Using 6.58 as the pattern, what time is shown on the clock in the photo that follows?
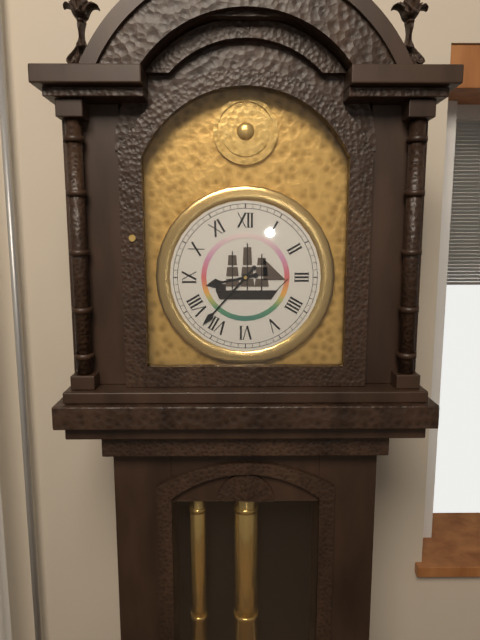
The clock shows 8.37
